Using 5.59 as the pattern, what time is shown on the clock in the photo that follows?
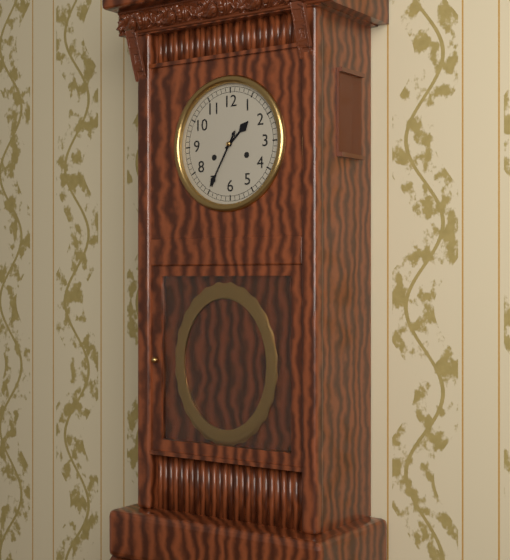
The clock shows 1.35
